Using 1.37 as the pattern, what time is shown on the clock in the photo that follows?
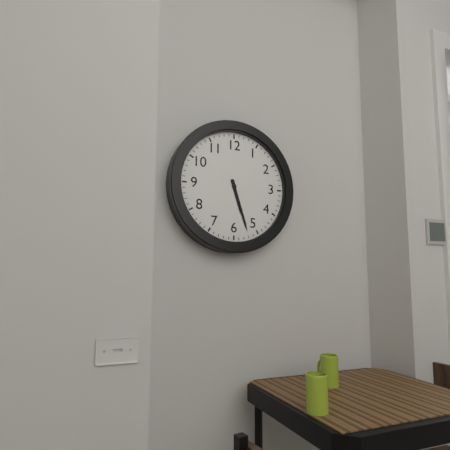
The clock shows 5.27
